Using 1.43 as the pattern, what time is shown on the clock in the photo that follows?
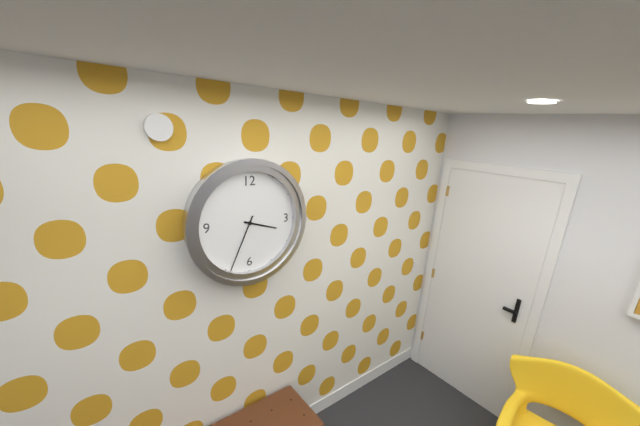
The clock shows 3.34
